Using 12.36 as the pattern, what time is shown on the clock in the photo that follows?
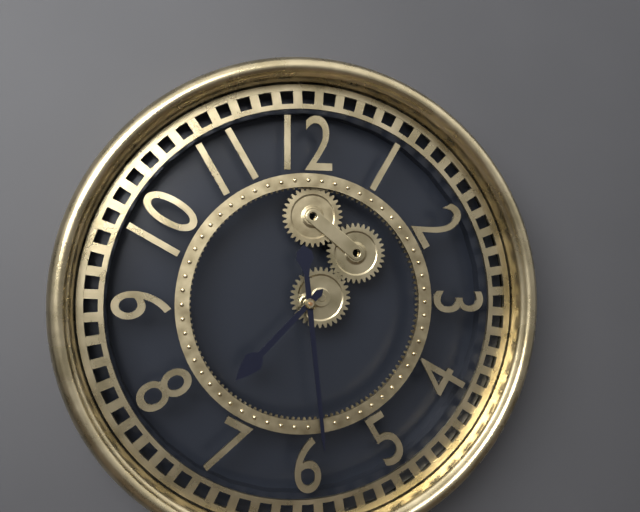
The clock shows 7.29
